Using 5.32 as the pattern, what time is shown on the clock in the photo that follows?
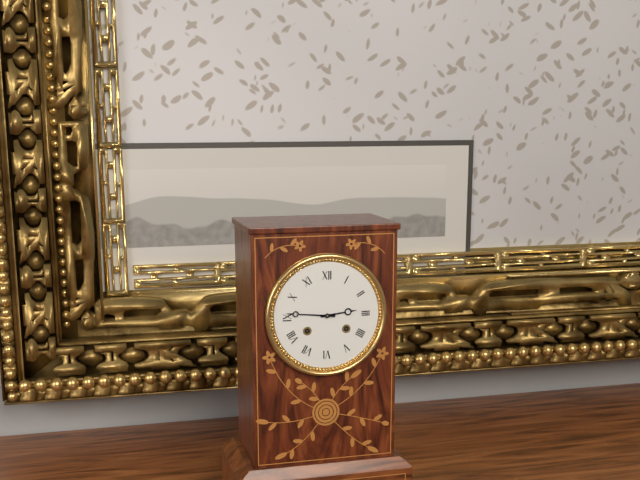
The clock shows 2.46
